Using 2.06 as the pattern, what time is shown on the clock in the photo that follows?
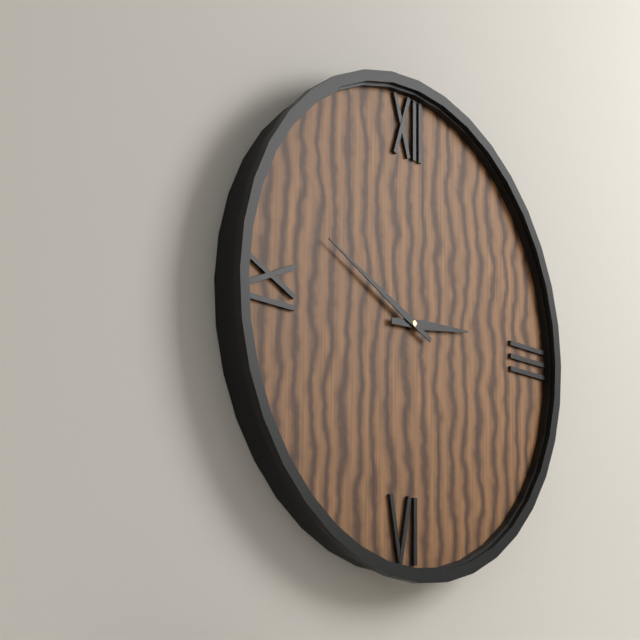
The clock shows 2.49
